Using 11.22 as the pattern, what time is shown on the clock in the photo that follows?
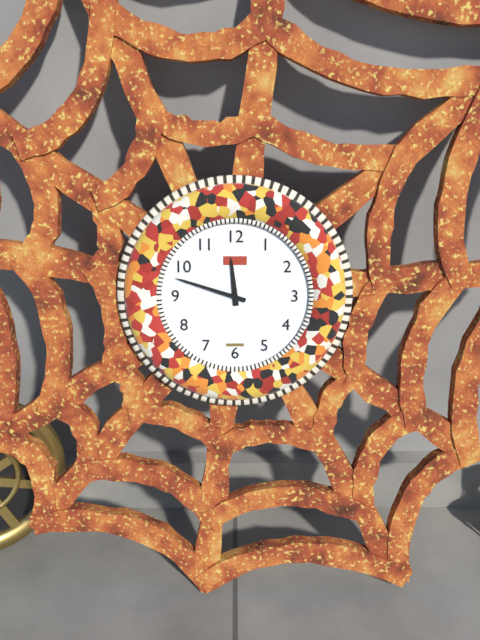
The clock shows 11.48
